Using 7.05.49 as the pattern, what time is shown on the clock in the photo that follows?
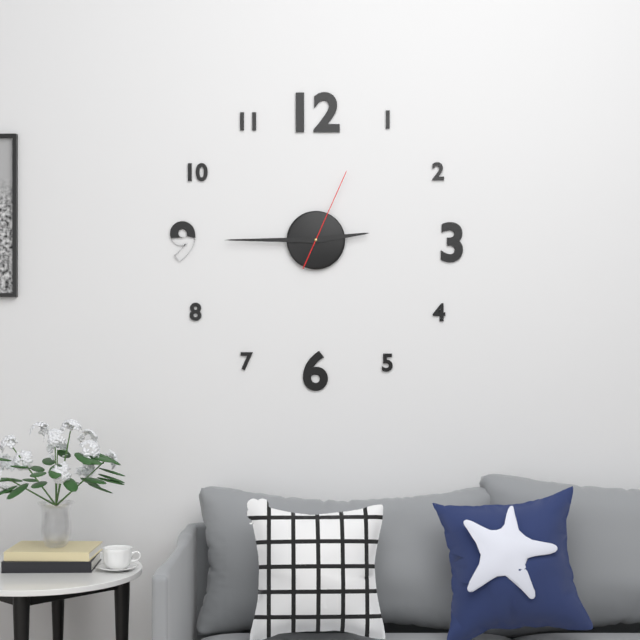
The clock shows 2.45.04
